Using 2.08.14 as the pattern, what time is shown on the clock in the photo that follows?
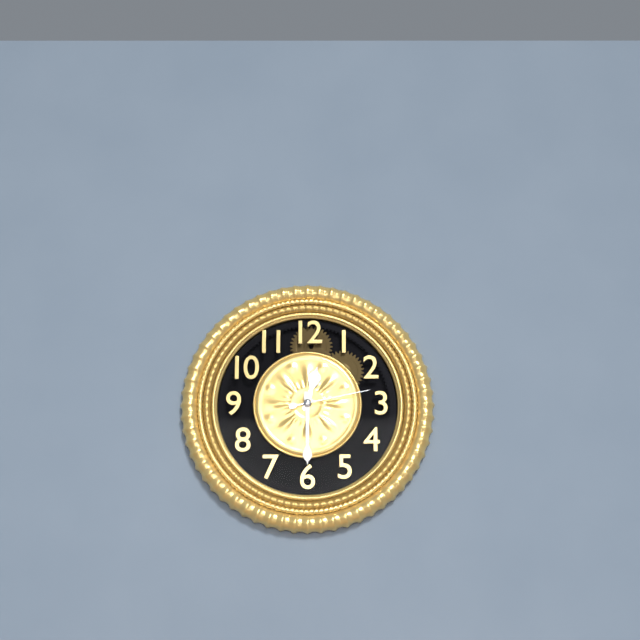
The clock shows 12.30.13
